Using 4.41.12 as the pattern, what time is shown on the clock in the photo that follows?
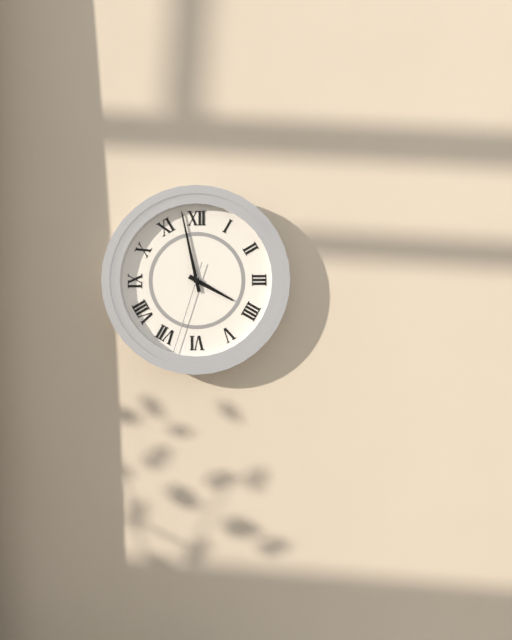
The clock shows 3.58.33
